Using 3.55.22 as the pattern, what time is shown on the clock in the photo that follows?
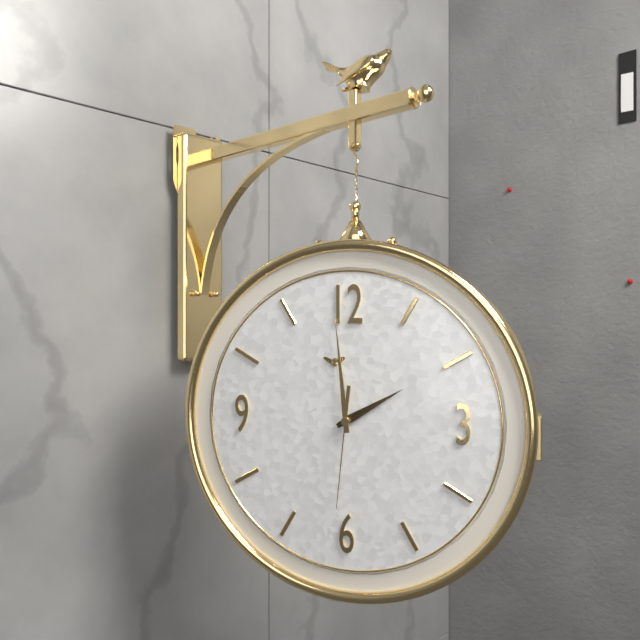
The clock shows 1.59.31
